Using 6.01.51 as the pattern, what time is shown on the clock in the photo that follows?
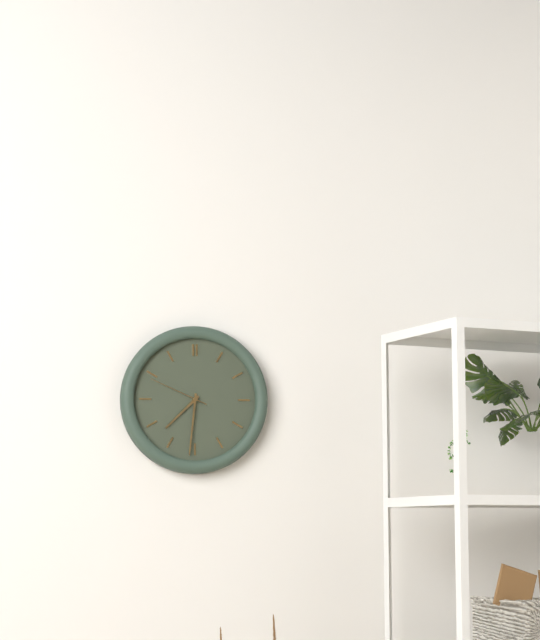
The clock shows 7.31.49
